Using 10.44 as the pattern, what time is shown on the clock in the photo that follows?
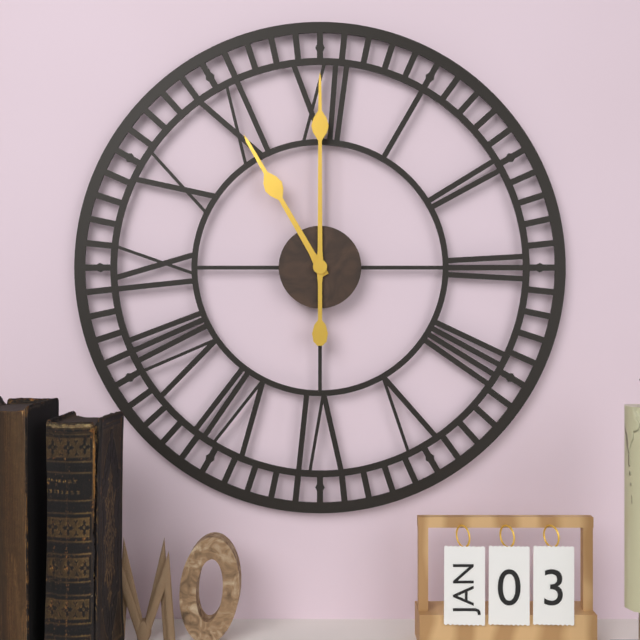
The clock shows 11.00
